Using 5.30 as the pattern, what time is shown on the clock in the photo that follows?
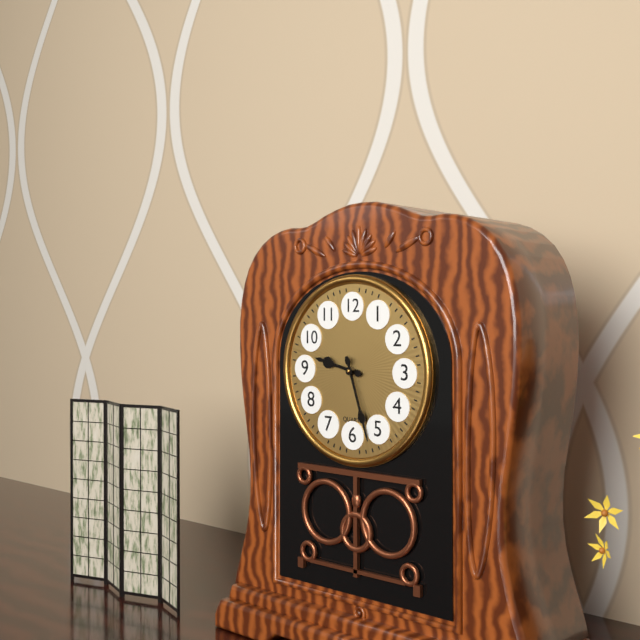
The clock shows 9.27
